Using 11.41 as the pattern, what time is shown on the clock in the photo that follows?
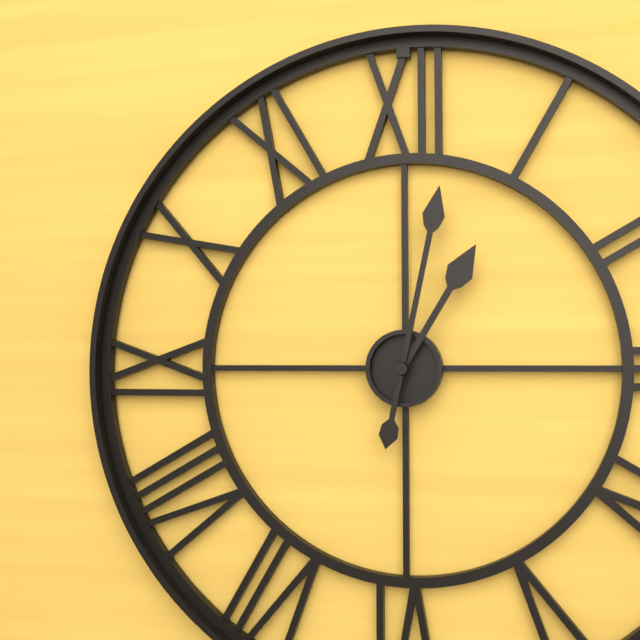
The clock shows 1.02
